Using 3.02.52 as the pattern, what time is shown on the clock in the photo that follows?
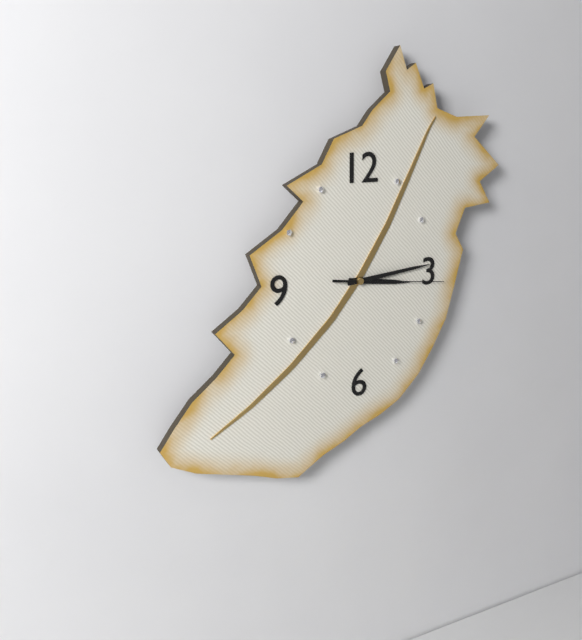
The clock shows 3.14.16
